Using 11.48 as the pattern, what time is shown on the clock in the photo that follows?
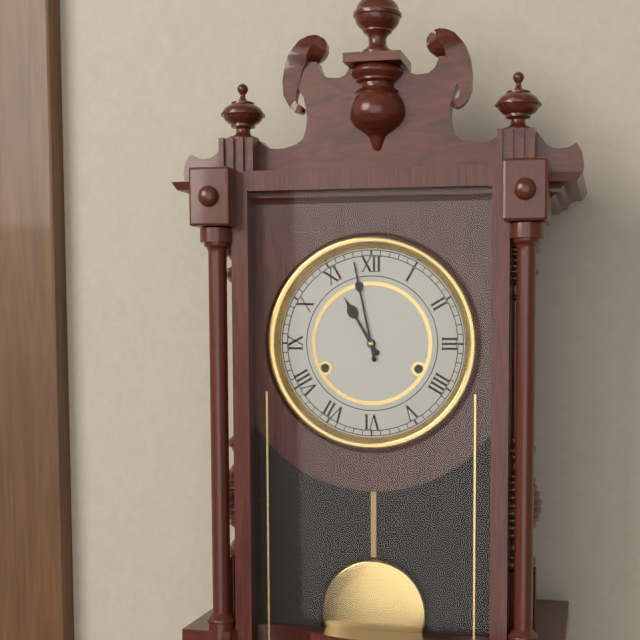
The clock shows 10.58
